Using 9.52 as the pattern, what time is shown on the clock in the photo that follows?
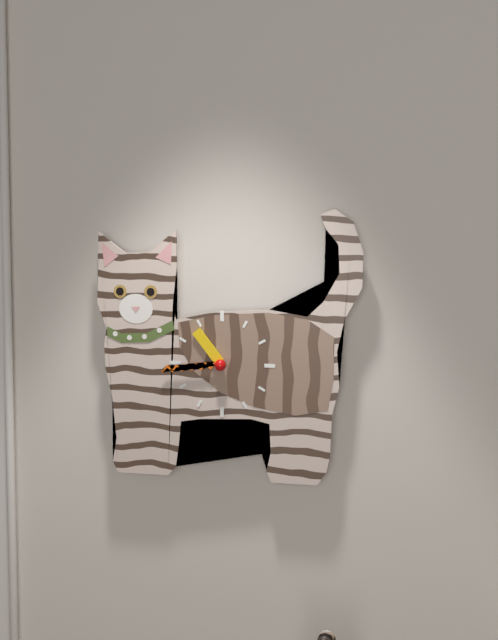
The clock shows 10.44
